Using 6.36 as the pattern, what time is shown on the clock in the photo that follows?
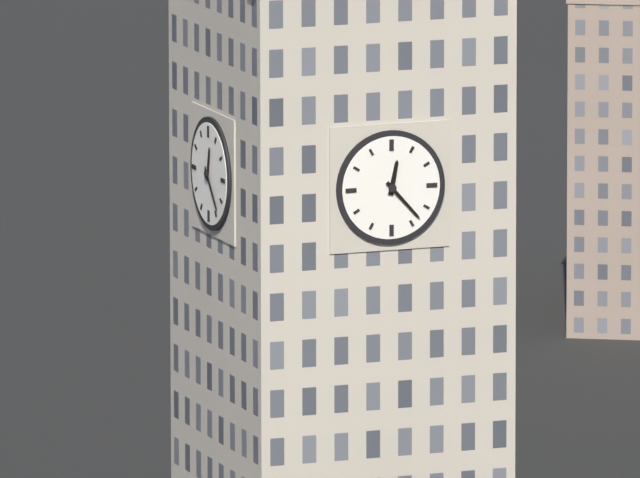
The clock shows 12.23
